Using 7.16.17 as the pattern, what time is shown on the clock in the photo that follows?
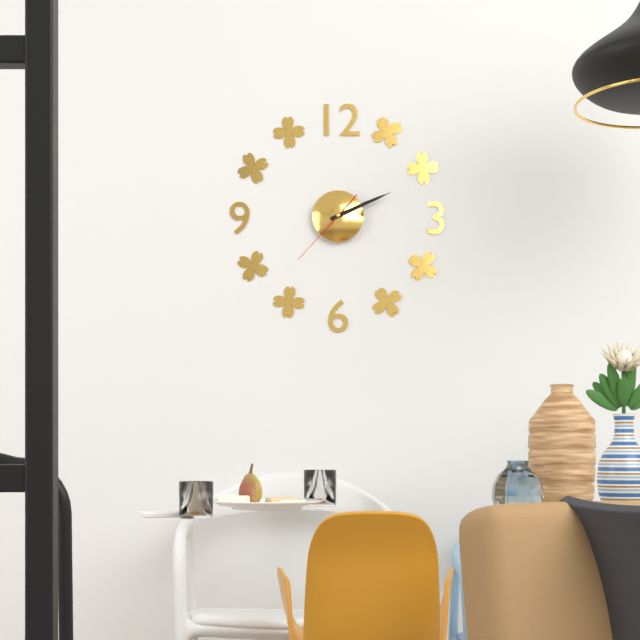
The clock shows 2.11.37
